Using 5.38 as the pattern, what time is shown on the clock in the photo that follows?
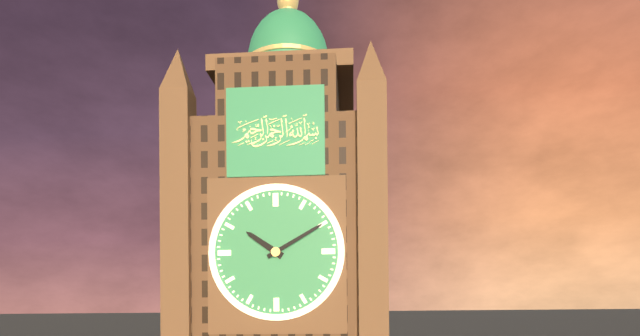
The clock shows 10.10
